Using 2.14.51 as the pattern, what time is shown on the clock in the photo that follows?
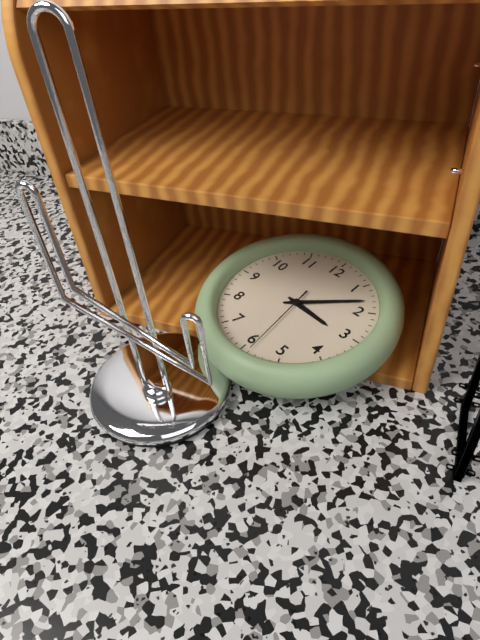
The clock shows 3.08.29
